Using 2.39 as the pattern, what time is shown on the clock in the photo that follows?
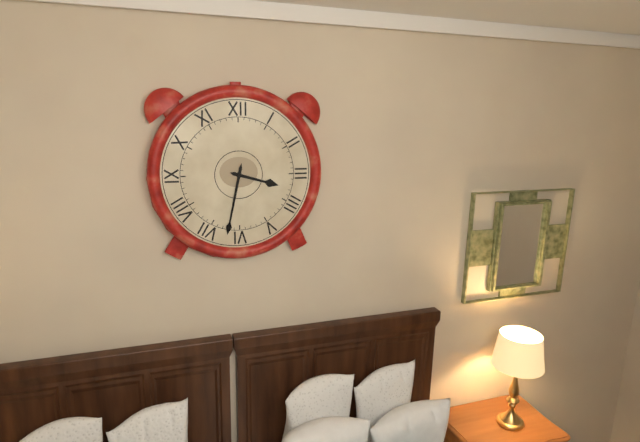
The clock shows 3.32
